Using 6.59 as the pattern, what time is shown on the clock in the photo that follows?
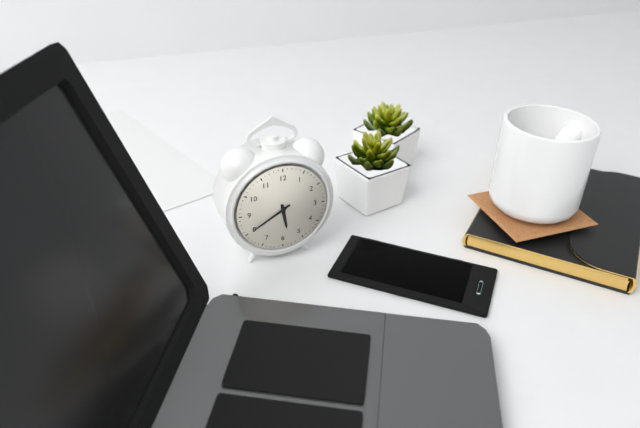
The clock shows 5.40
